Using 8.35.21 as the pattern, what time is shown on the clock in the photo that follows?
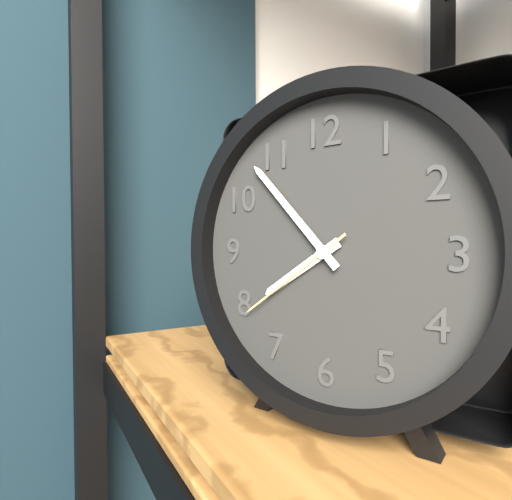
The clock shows 7.53.39
